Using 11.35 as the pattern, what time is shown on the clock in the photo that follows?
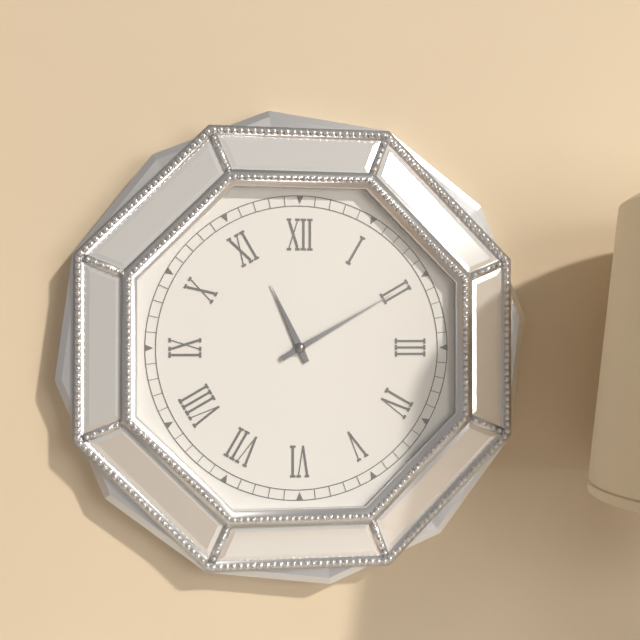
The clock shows 11.10
